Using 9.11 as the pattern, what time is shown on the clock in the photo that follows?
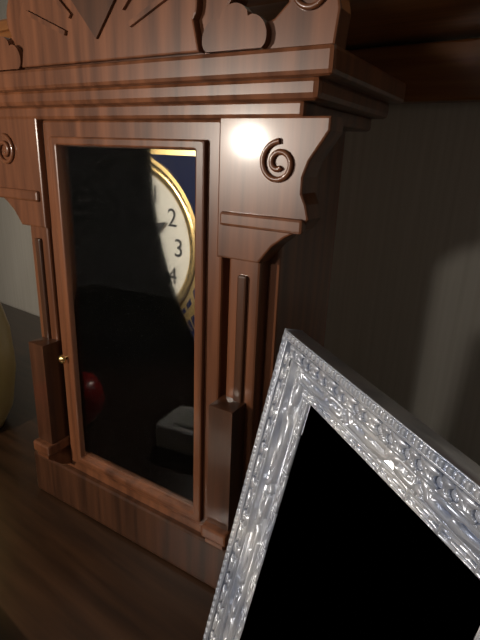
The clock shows 2.00
